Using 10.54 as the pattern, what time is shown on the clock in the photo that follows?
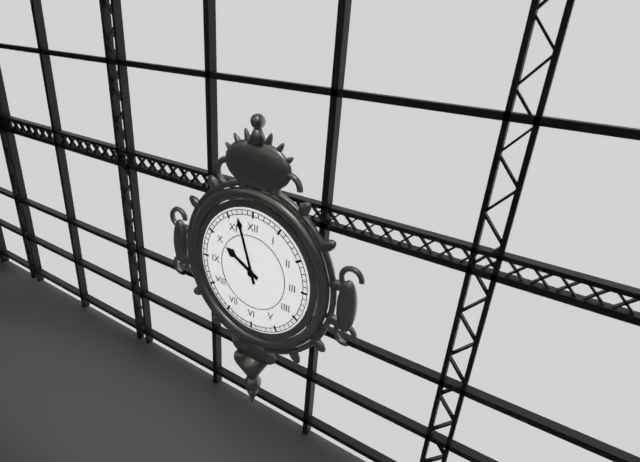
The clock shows 9.57
